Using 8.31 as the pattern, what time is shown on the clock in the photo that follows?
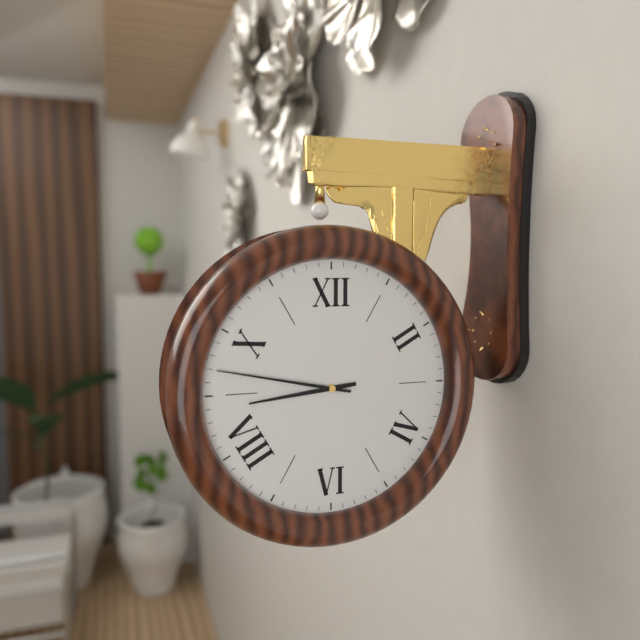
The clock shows 8.47
